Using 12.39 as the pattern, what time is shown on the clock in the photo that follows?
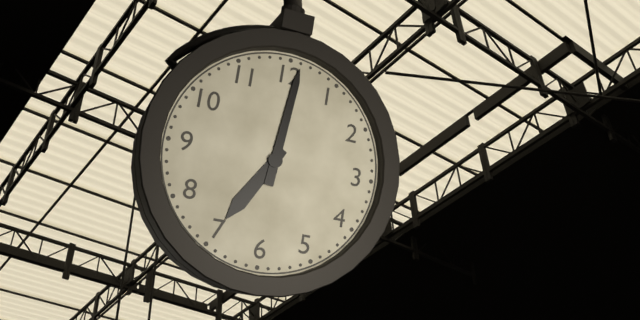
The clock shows 7.01
